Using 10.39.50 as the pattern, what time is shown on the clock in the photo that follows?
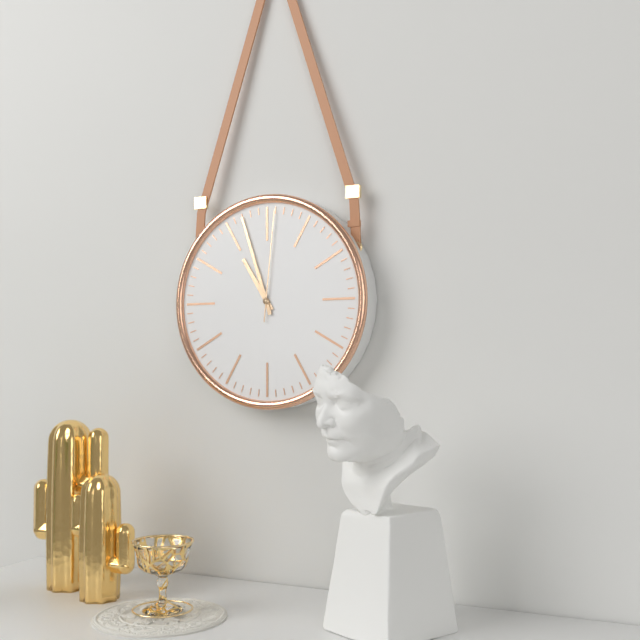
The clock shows 10.57.01
